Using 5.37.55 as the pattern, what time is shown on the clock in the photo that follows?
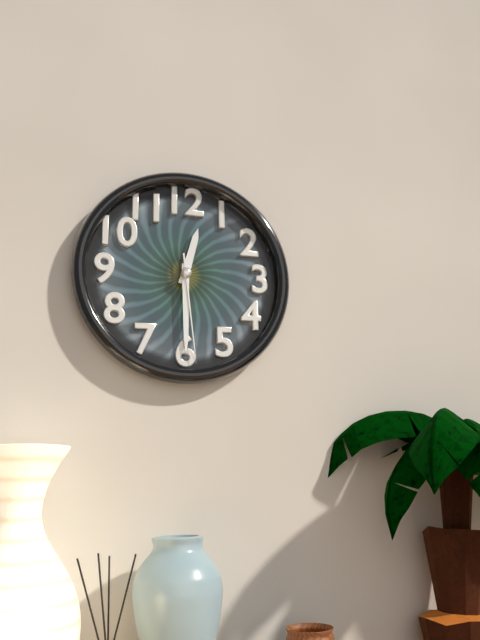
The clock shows 12.30.29
